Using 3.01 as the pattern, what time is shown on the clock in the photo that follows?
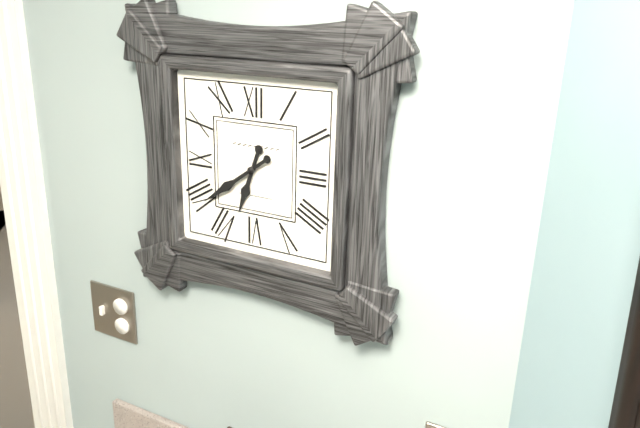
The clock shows 6.39
